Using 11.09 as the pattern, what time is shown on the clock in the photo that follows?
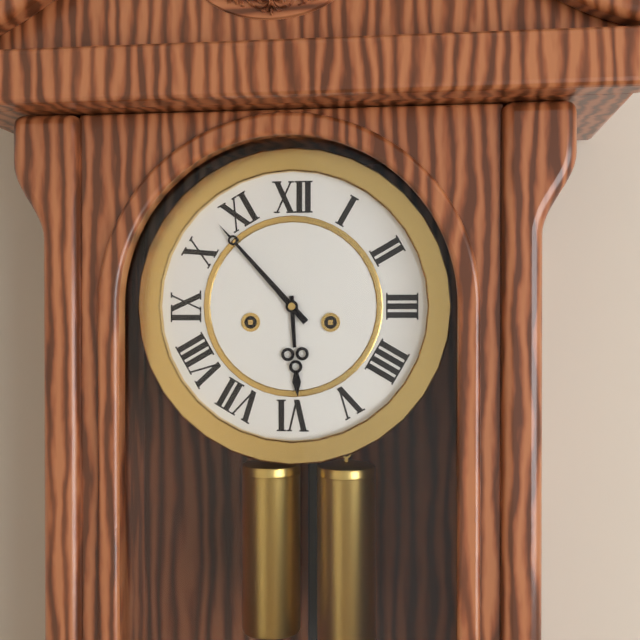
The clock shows 5.53
